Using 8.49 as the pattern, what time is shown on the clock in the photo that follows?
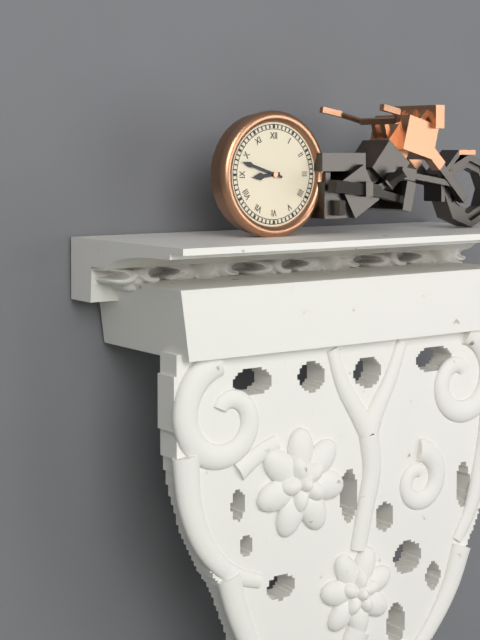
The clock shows 8.48
